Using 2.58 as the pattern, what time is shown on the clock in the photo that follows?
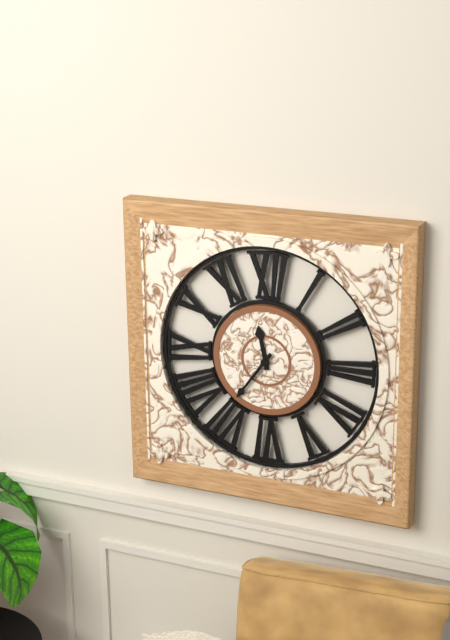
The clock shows 11.36
